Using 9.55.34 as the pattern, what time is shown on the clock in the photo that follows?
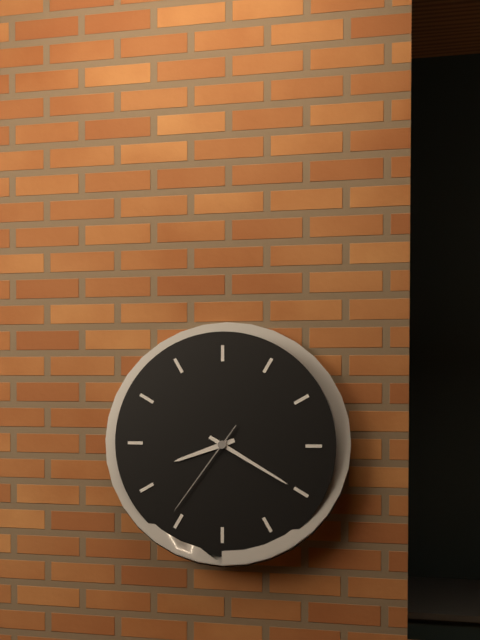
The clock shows 8.20.36
